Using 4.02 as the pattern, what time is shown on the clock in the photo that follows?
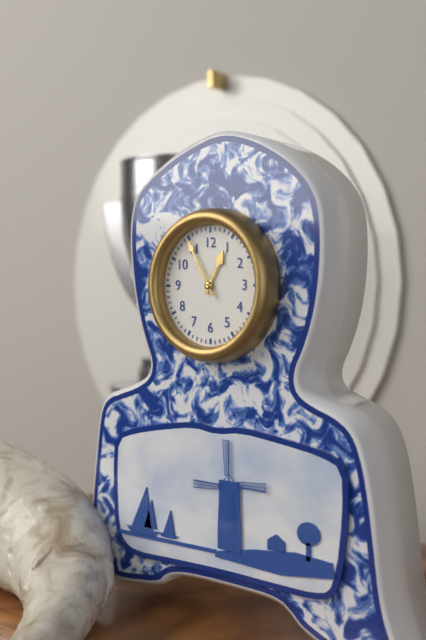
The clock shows 12.55
